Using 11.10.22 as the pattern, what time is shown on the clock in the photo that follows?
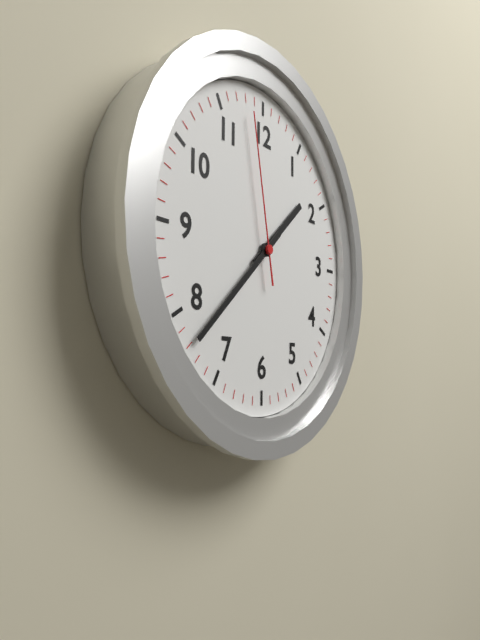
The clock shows 1.38.58
